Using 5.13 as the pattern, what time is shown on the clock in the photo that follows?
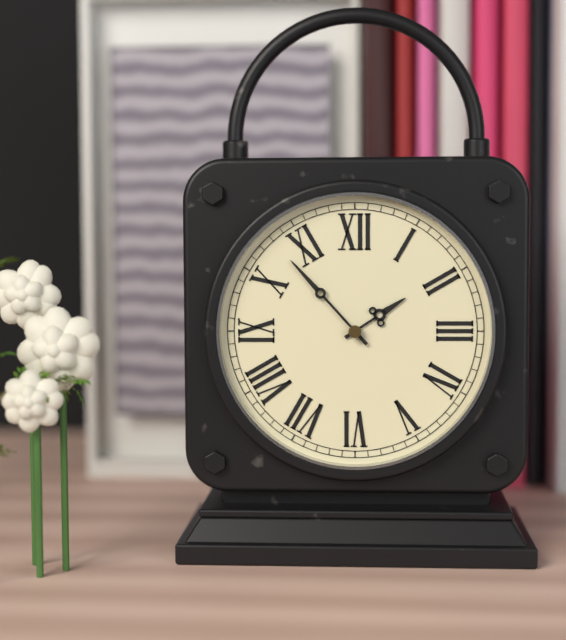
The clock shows 1.53
